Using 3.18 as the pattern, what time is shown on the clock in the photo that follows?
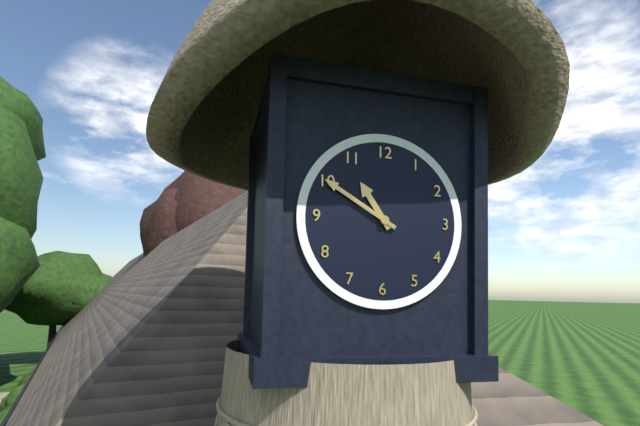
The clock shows 10.50
